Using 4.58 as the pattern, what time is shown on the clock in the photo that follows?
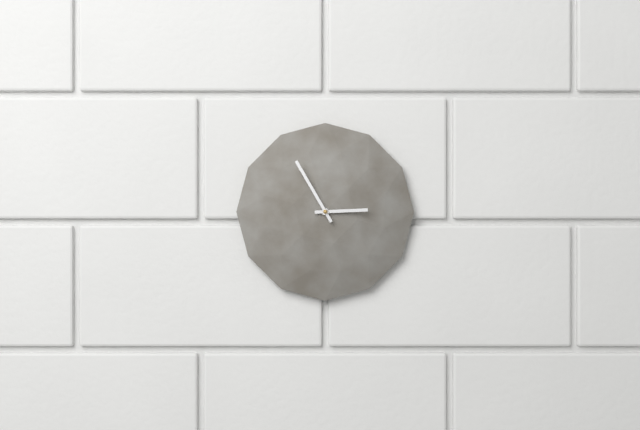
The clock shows 2.55
